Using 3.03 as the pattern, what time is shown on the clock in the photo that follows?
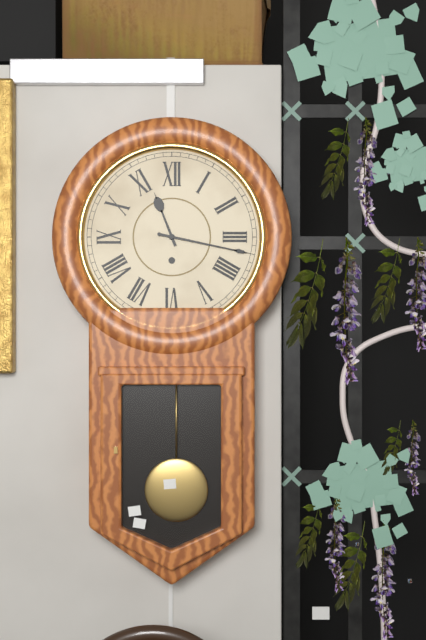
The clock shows 11.17
